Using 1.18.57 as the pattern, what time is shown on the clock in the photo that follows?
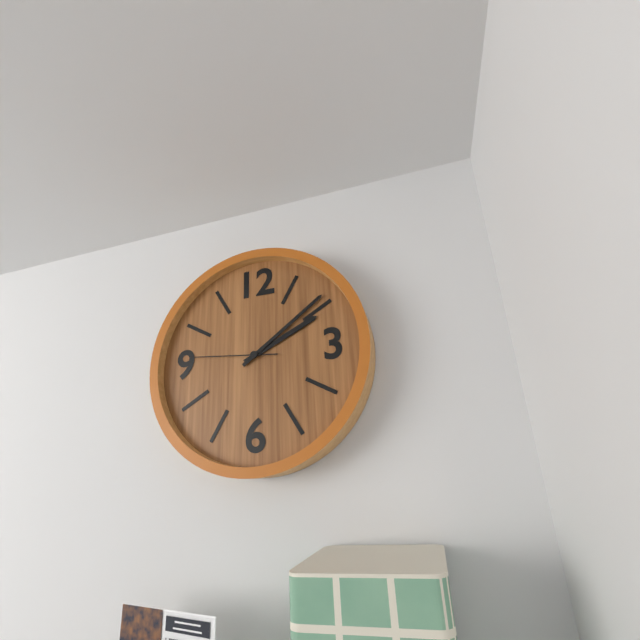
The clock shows 2.09.46
